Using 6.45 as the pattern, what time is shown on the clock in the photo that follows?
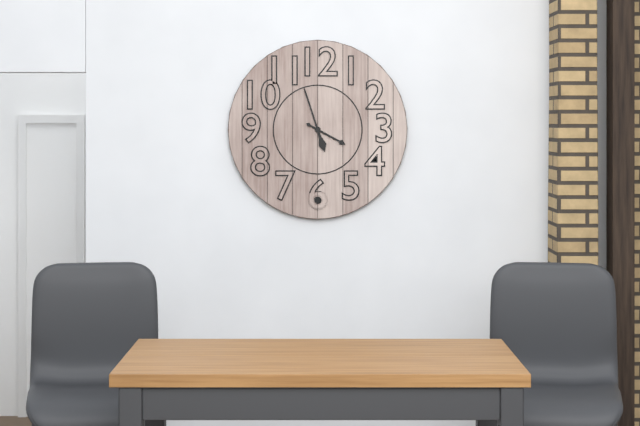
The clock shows 3.57
